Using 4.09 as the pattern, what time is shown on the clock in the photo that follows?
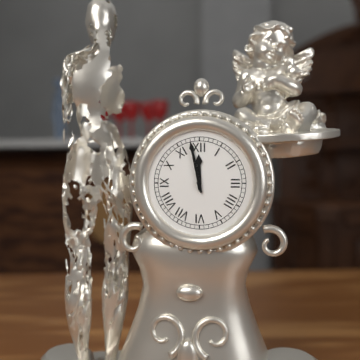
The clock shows 11.58
